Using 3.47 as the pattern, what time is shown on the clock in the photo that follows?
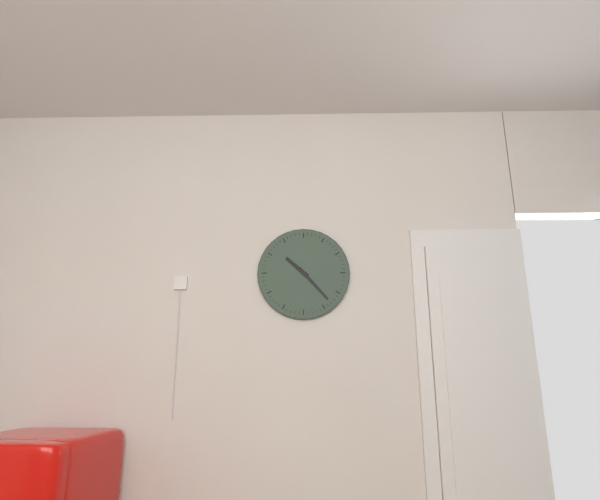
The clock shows 10.23
